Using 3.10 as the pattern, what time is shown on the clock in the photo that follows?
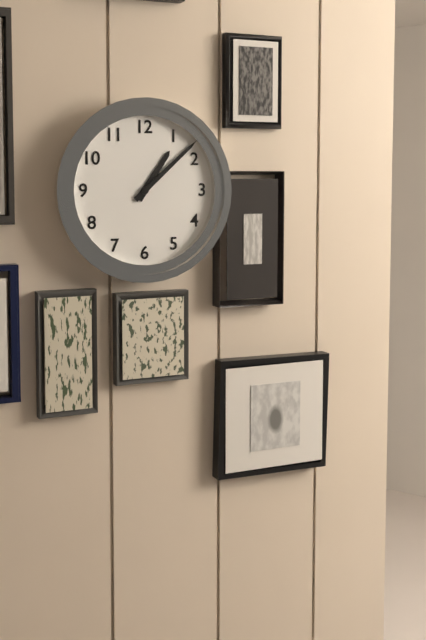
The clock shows 1.08
